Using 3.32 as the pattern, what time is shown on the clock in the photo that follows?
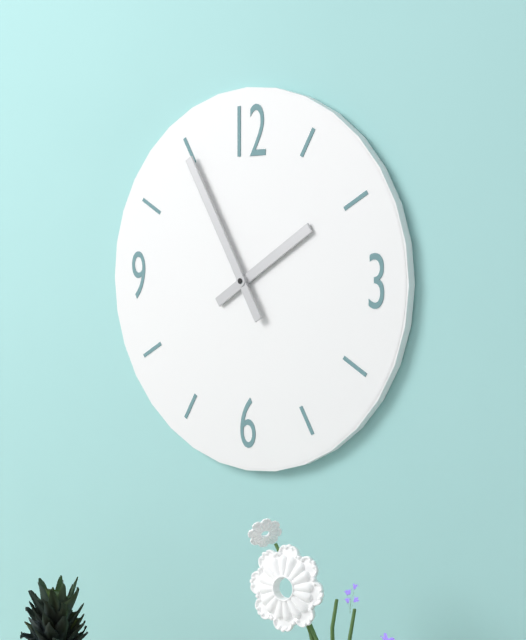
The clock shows 1.55
